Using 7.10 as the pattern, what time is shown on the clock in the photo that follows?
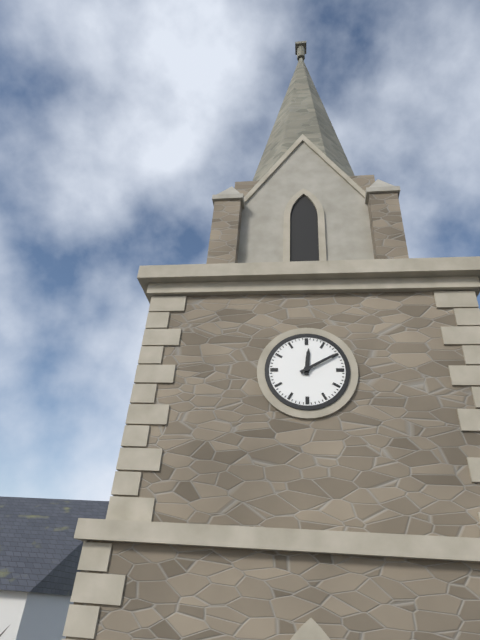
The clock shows 12.10
